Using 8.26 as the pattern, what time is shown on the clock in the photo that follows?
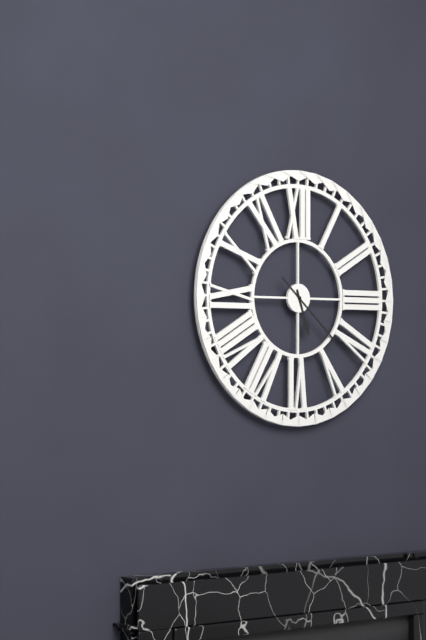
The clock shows 5.22
